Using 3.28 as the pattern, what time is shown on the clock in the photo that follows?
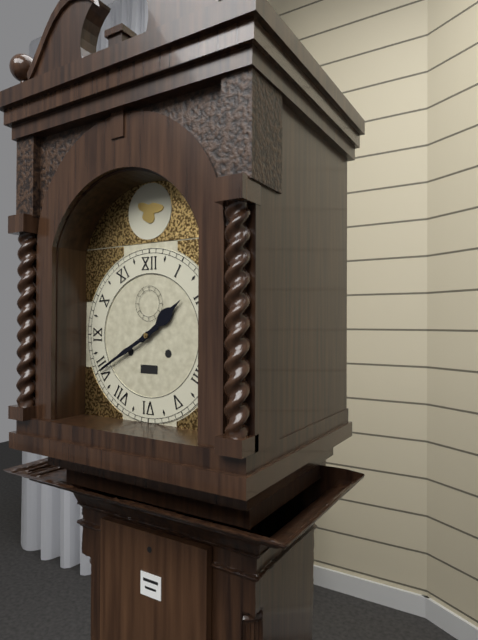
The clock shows 1.40
